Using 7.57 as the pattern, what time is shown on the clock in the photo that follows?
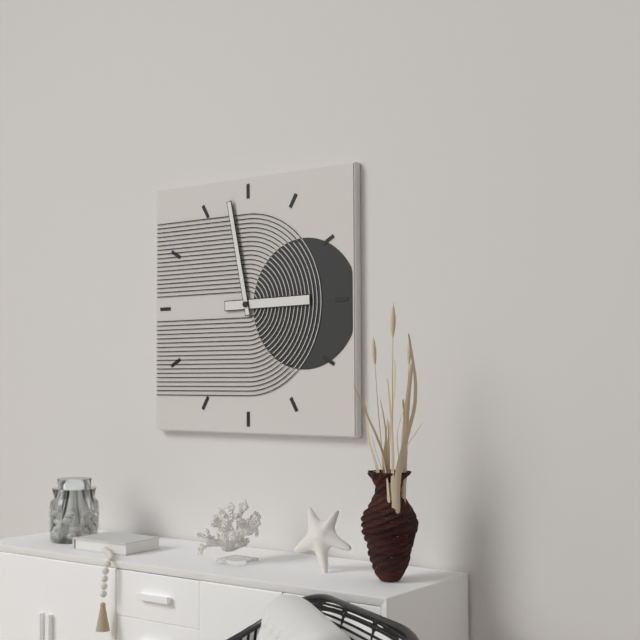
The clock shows 2.58
